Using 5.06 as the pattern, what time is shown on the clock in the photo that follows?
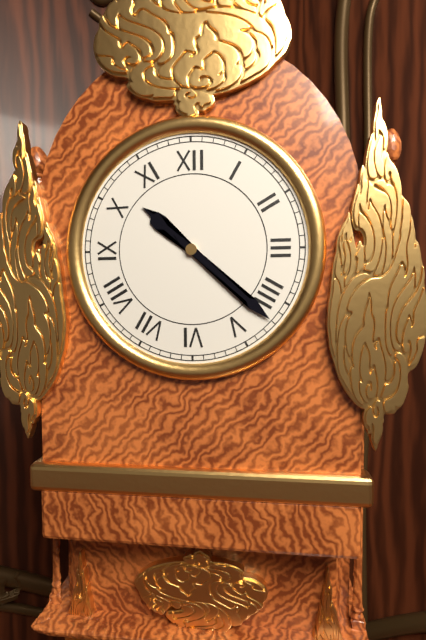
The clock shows 10.22
